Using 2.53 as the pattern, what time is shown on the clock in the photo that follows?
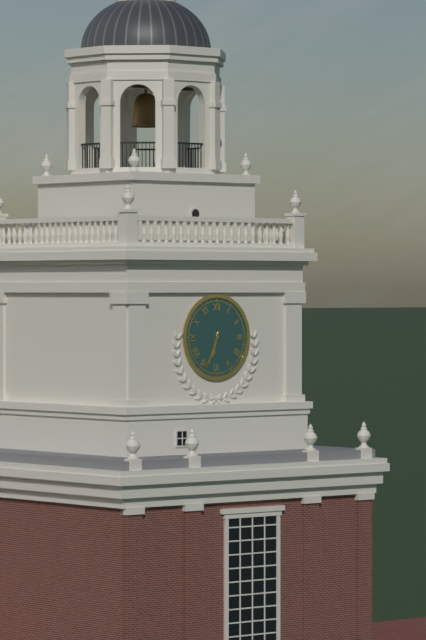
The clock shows 6.34
